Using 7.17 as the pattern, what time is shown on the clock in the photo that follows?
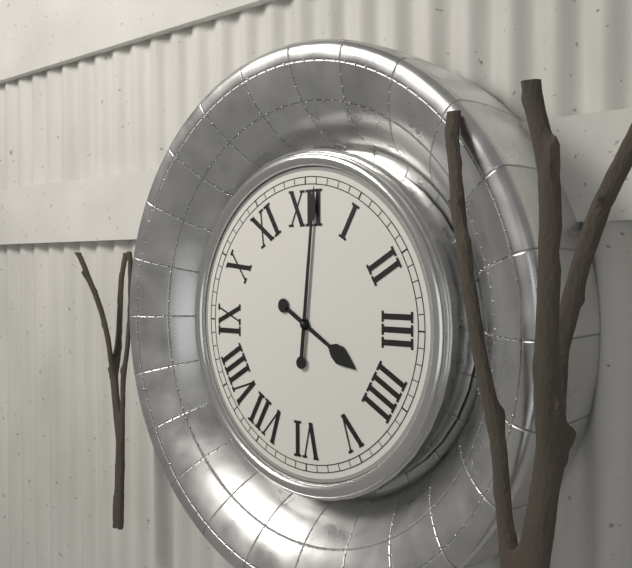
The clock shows 4.01
